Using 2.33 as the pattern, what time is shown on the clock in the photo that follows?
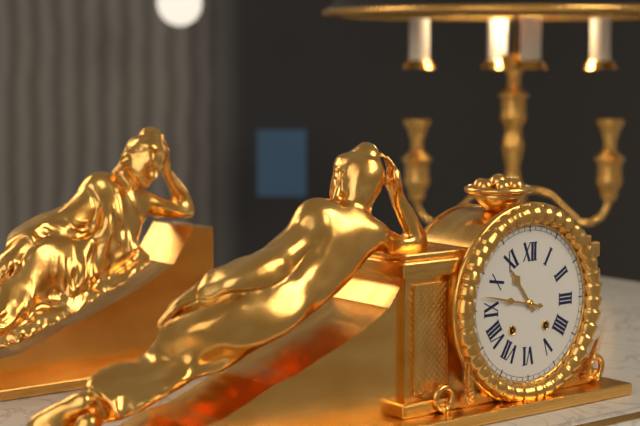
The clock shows 10.47
